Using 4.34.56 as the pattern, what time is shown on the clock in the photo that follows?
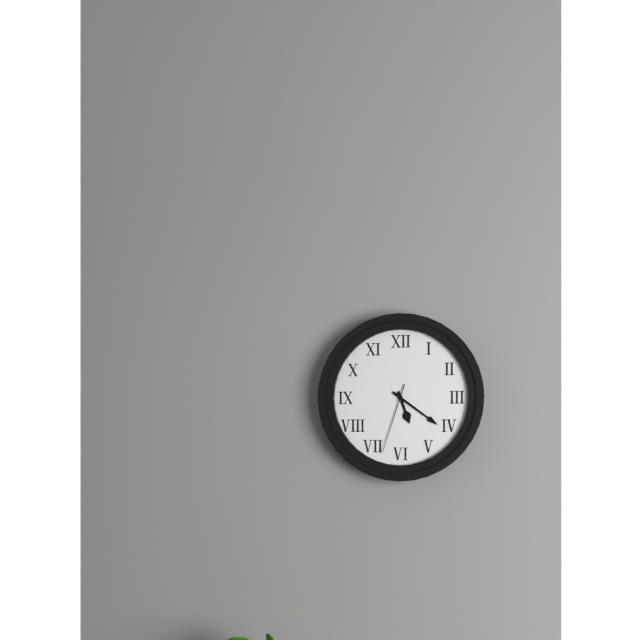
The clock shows 5.21.33
